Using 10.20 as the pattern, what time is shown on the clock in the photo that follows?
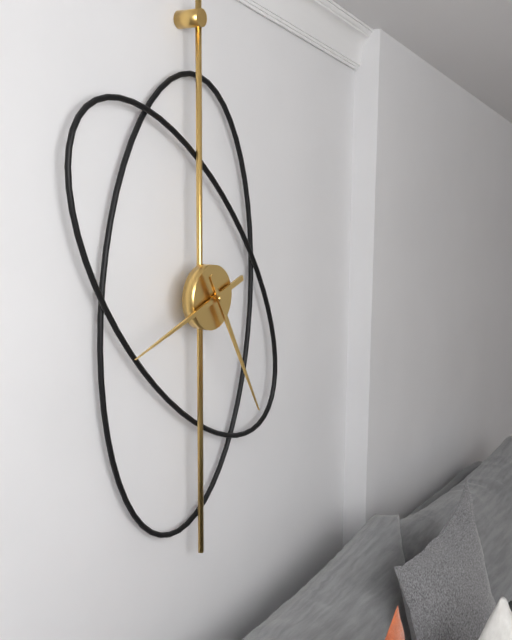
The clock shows 8.25
